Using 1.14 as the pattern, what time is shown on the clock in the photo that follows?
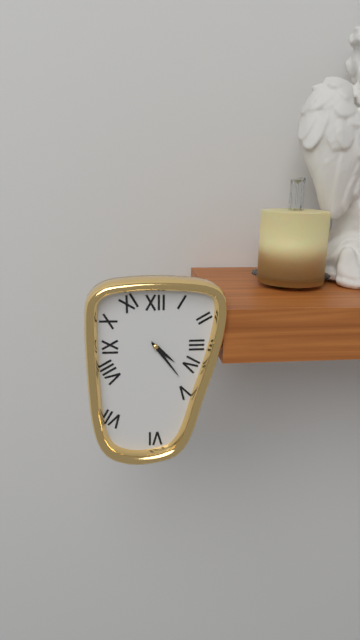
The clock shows 4.24
